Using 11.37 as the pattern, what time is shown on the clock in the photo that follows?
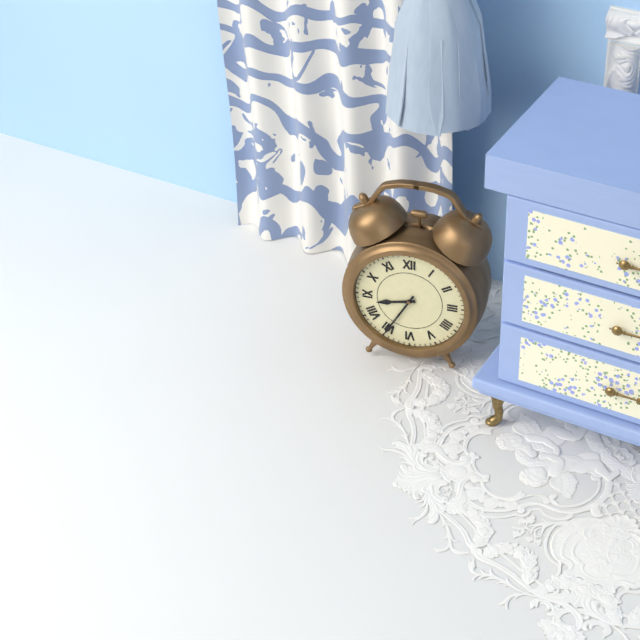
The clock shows 8.35
